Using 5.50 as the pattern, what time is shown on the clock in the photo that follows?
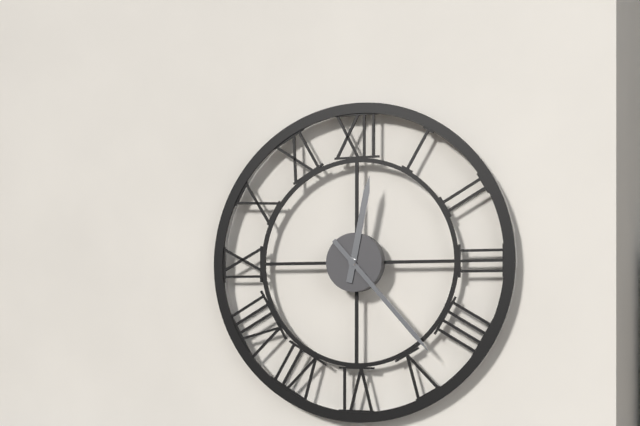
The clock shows 12.23
